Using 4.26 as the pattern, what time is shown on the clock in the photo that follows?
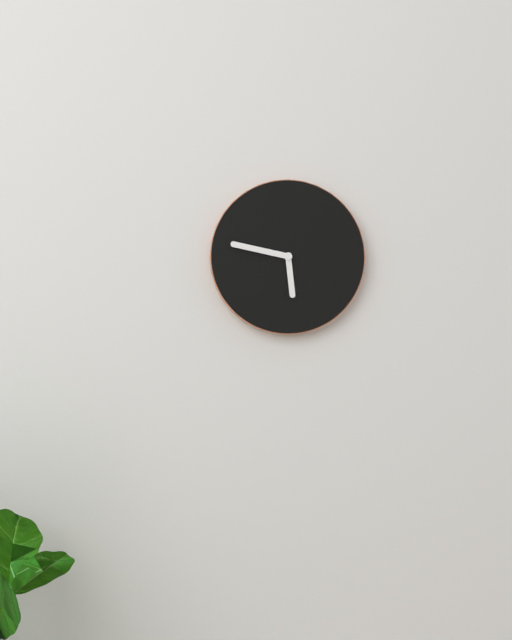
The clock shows 5.47
